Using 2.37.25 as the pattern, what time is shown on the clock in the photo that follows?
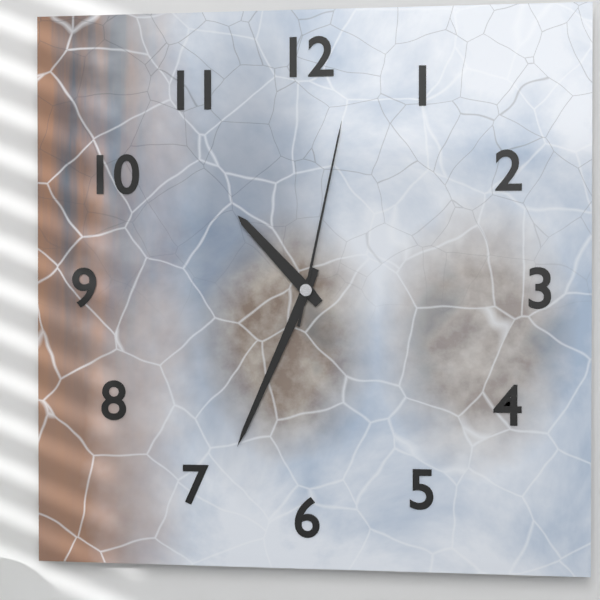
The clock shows 10.34.02
